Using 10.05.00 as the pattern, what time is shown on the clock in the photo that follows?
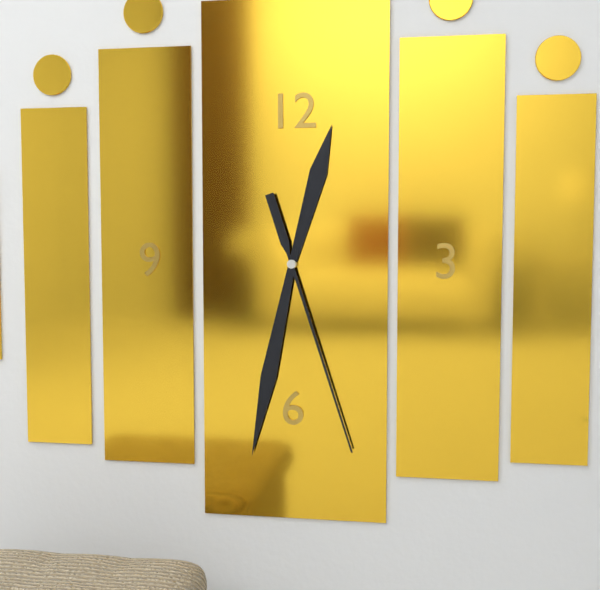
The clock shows 12.32.27
